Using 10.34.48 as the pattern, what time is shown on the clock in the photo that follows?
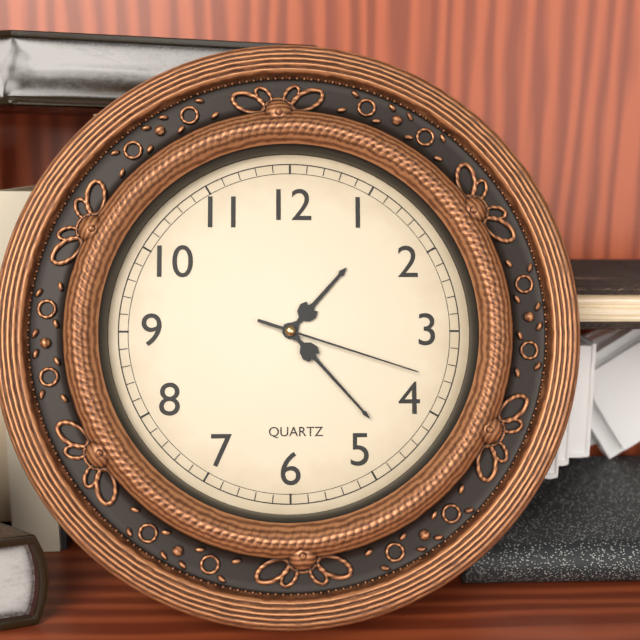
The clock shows 1.23.18
